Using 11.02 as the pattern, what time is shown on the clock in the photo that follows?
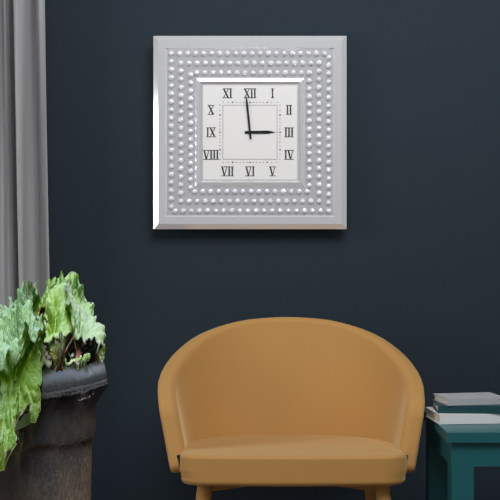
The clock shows 2.59
